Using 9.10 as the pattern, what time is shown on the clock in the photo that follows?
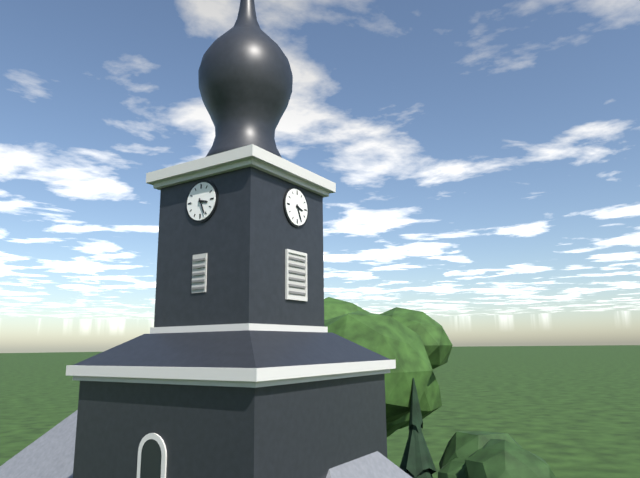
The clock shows 3.26
